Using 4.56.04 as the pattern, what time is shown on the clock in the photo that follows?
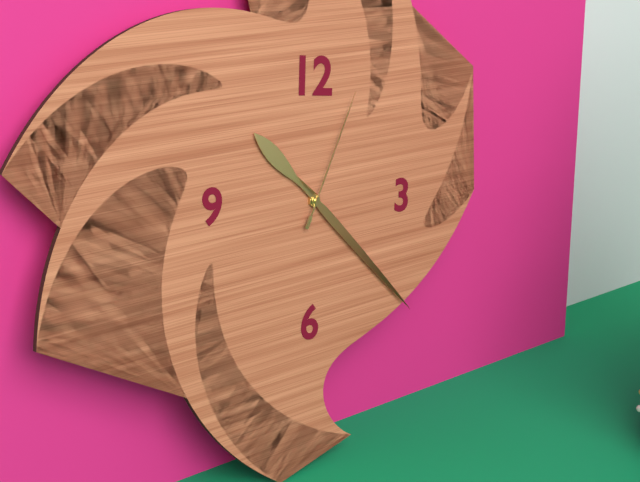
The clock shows 10.22.04
